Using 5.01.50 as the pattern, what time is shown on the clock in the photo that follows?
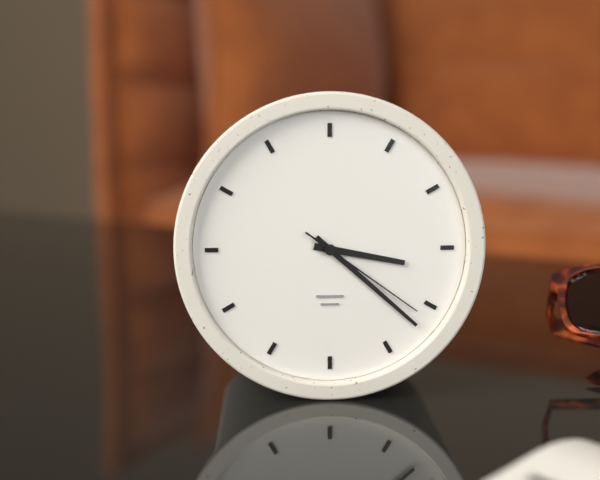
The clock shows 3.22.21
